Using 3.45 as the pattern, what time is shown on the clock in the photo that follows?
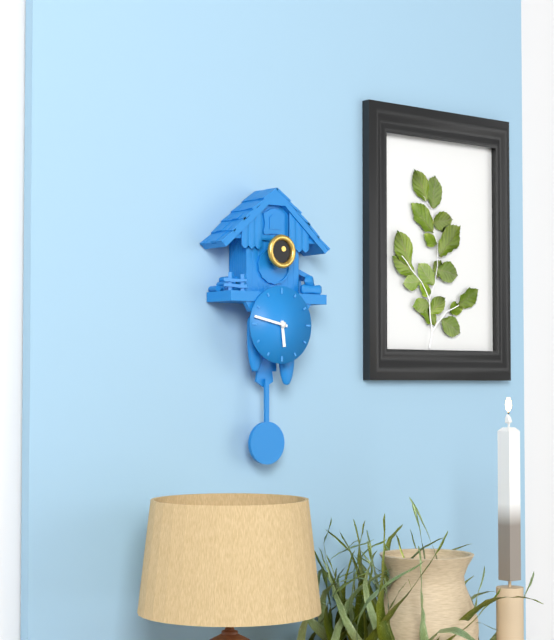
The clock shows 5.47
